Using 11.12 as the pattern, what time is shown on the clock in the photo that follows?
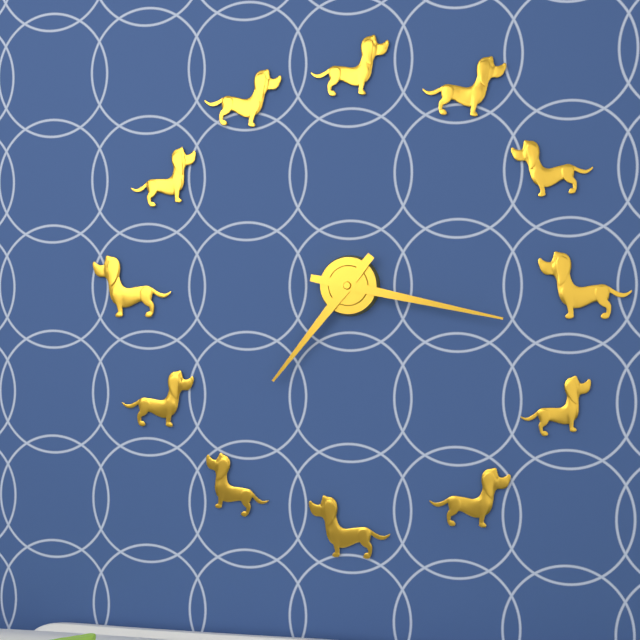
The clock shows 7.17
